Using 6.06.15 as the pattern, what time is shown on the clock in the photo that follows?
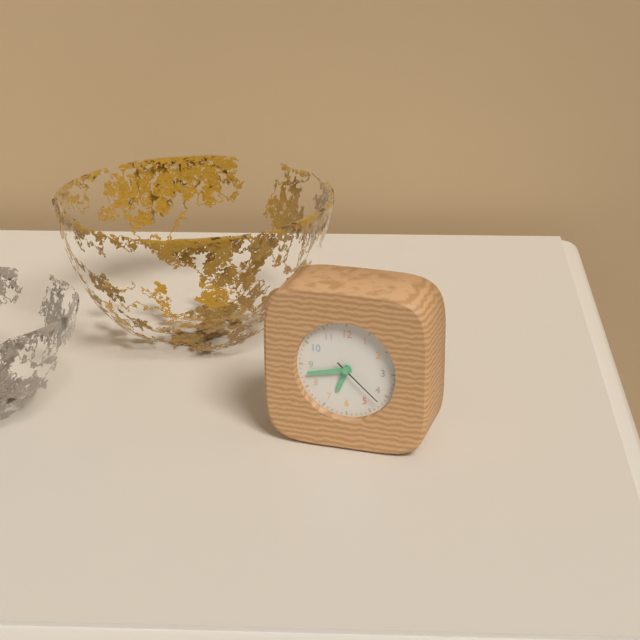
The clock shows 6.43.22
